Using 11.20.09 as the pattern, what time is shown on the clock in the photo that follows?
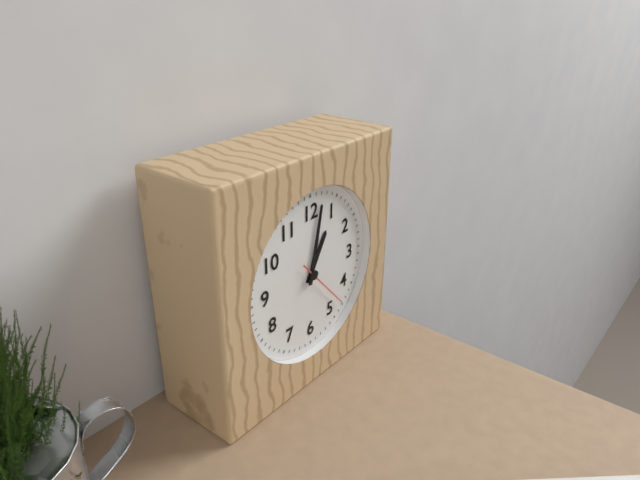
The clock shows 1.02.23
